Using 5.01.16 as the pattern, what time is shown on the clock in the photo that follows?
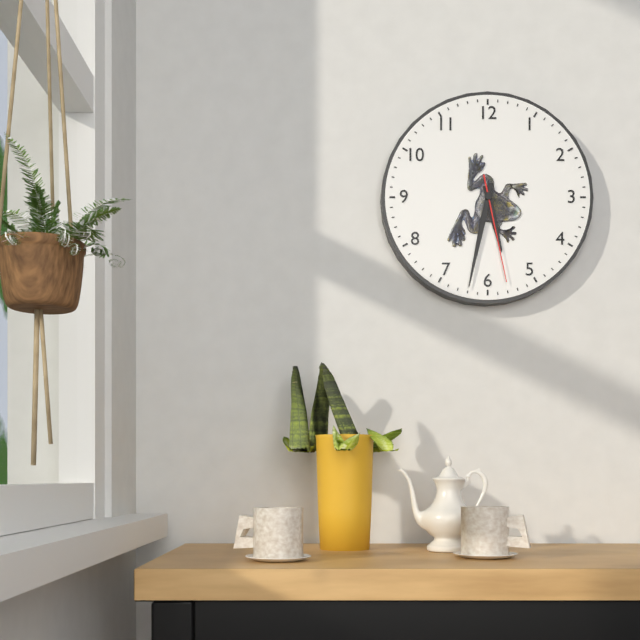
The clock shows 5.32.28
